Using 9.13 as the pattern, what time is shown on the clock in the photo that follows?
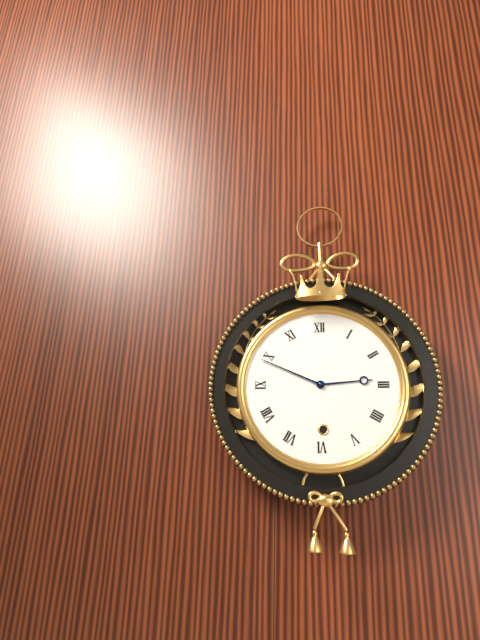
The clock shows 2.49
